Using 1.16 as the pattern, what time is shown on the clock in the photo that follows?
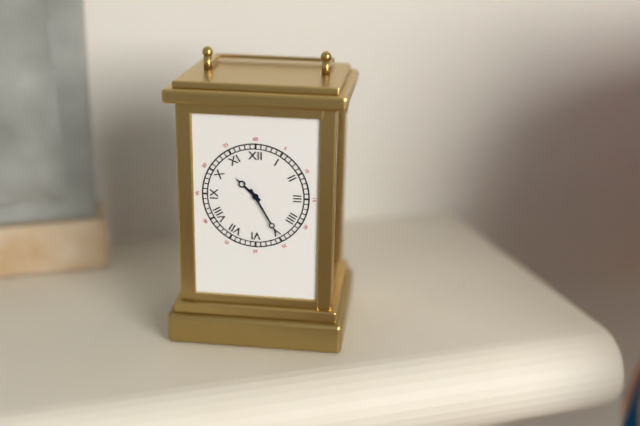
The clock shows 10.25
